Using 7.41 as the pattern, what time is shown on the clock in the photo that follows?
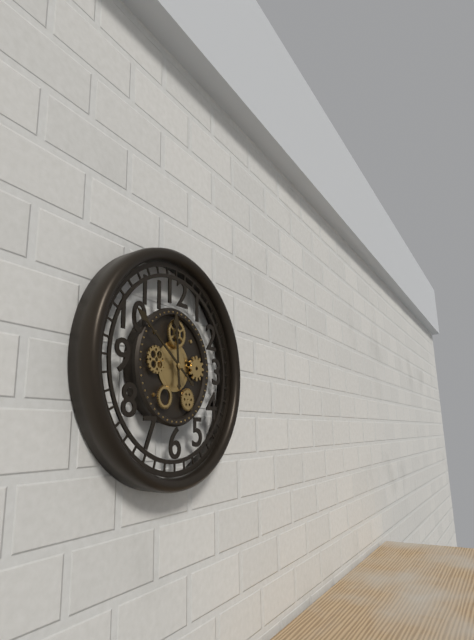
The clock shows 11.51
